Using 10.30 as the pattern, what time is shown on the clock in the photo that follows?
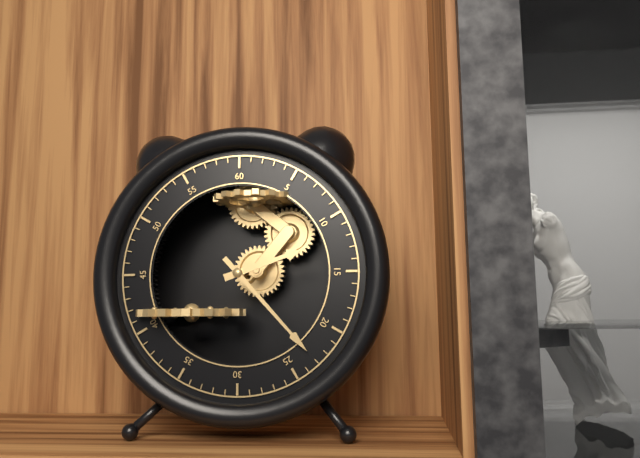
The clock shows 2.23
